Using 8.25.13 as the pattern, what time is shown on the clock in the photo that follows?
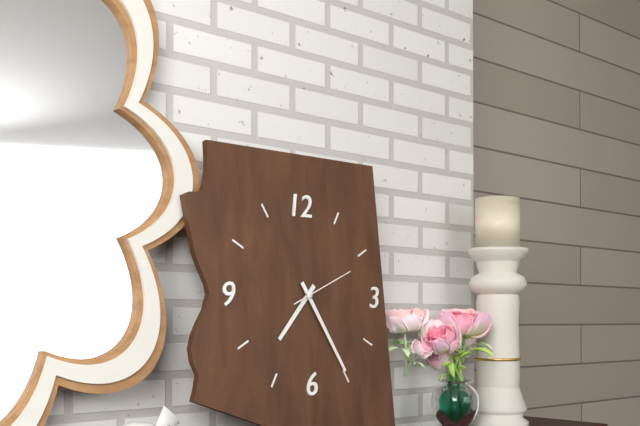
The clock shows 7.25.11
